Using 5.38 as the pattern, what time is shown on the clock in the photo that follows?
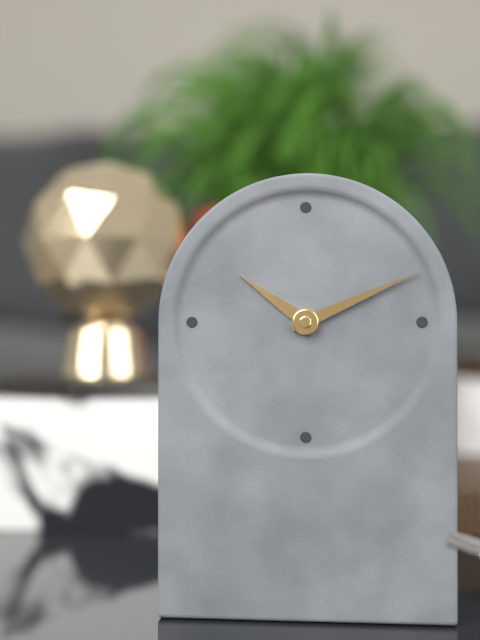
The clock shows 10.11
